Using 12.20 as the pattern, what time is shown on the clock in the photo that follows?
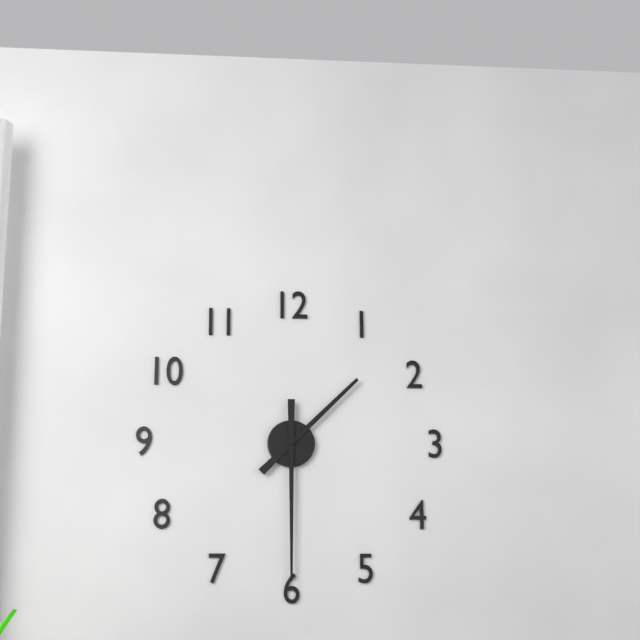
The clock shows 1.30
